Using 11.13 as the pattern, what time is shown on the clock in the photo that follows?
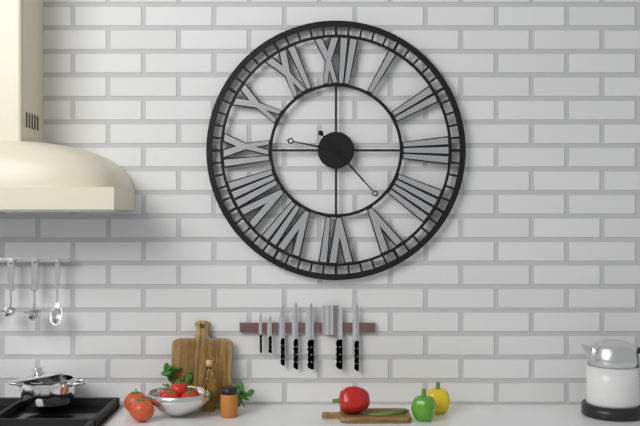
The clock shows 9.23
